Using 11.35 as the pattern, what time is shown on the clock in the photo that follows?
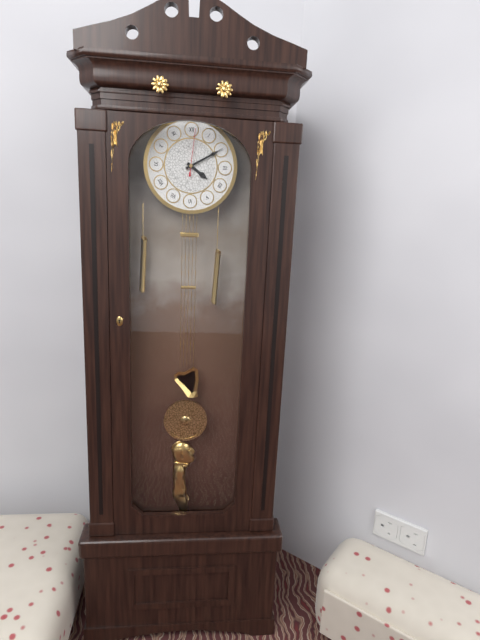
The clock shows 4.10
